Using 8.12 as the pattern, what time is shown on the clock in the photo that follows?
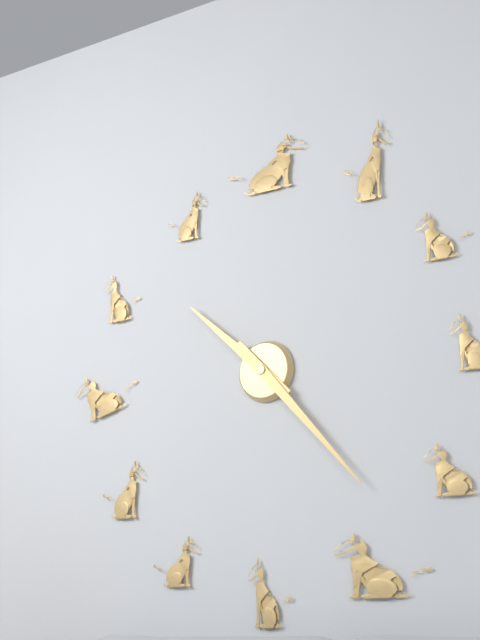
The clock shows 10.23
